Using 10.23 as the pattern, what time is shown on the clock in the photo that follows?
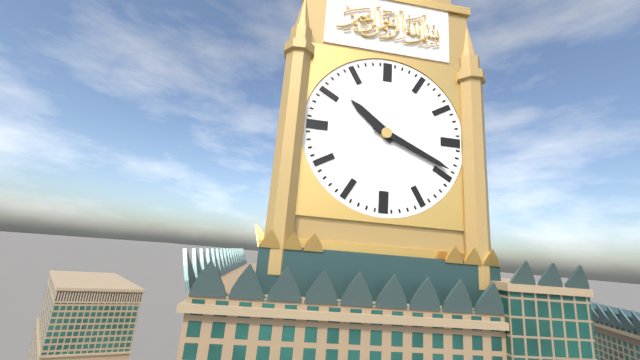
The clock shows 10.19
